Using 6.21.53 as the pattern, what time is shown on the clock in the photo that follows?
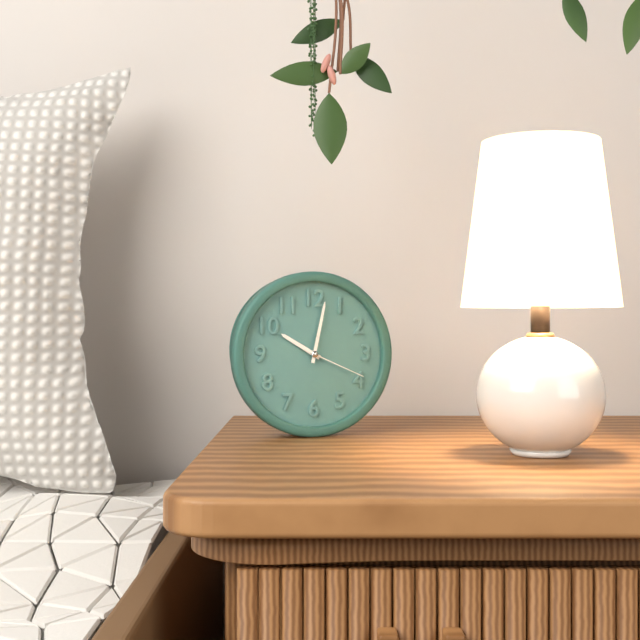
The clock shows 10.02.19
